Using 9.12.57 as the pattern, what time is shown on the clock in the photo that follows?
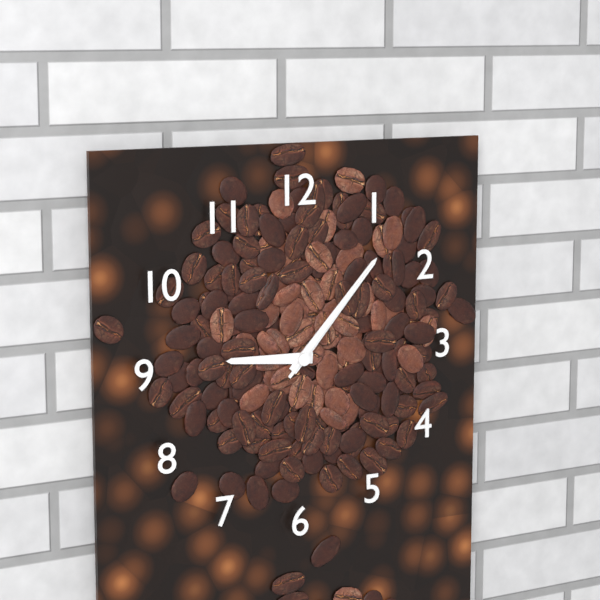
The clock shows 9.07.07
